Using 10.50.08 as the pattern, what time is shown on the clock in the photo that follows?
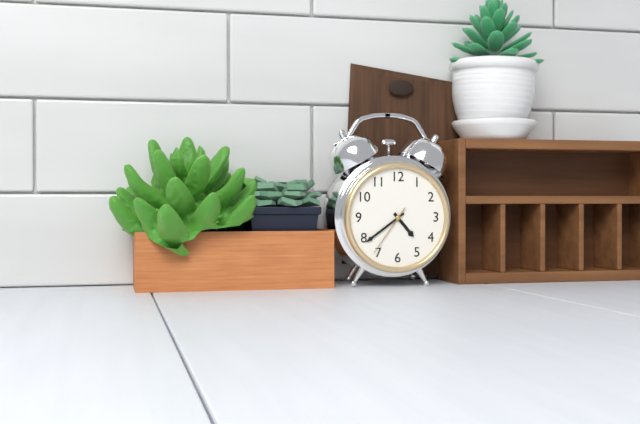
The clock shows 4.39.36
